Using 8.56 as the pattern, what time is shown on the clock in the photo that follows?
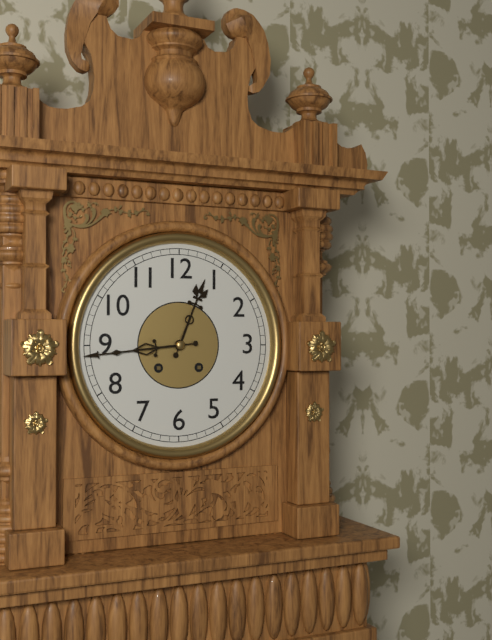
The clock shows 12.44
